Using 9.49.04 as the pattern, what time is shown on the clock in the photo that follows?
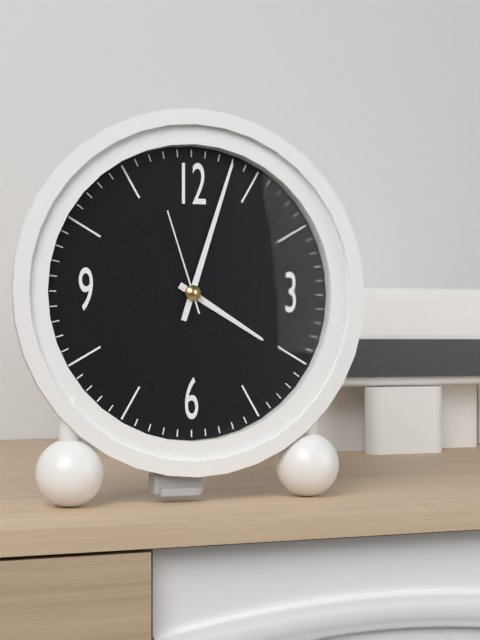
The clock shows 4.03.57
